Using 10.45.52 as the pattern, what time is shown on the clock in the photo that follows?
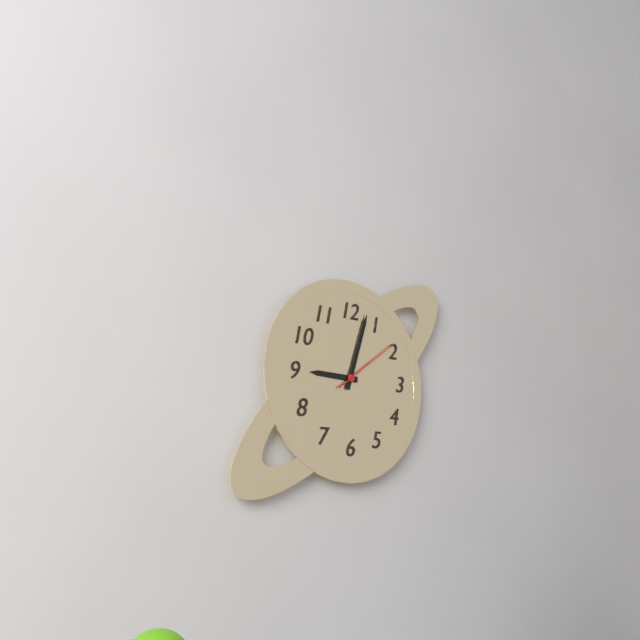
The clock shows 9.03.09
